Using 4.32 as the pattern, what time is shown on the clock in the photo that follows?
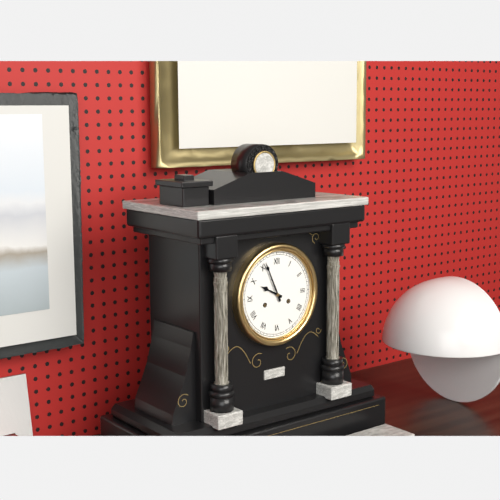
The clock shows 9.56
